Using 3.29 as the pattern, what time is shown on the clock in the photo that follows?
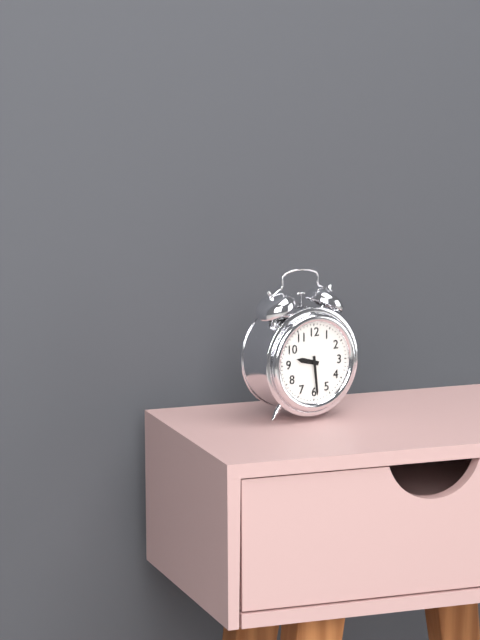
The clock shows 9.29
